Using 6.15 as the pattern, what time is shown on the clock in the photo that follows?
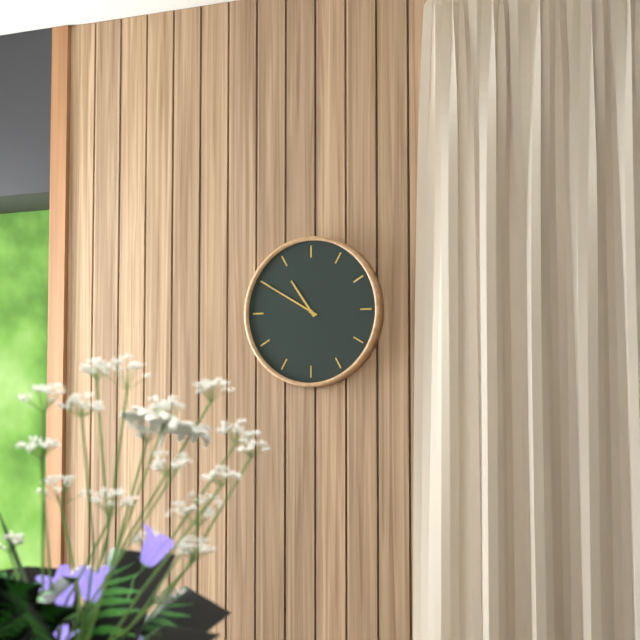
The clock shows 10.50
